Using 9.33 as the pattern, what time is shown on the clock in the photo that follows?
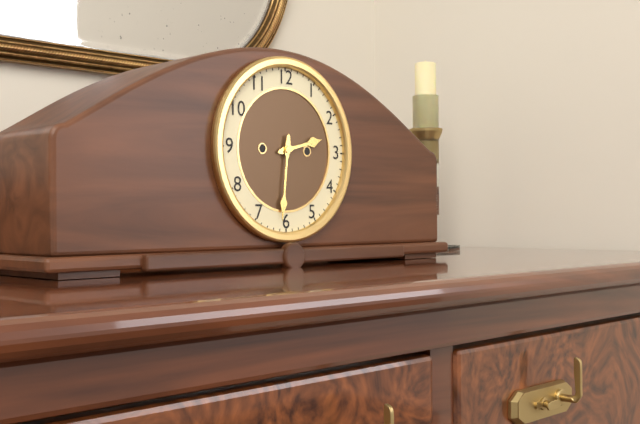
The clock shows 2.31
